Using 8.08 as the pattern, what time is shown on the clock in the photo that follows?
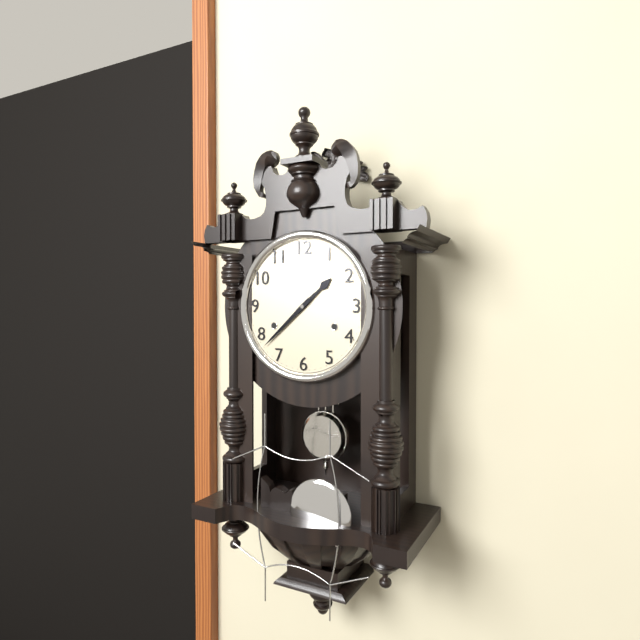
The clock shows 1.38
